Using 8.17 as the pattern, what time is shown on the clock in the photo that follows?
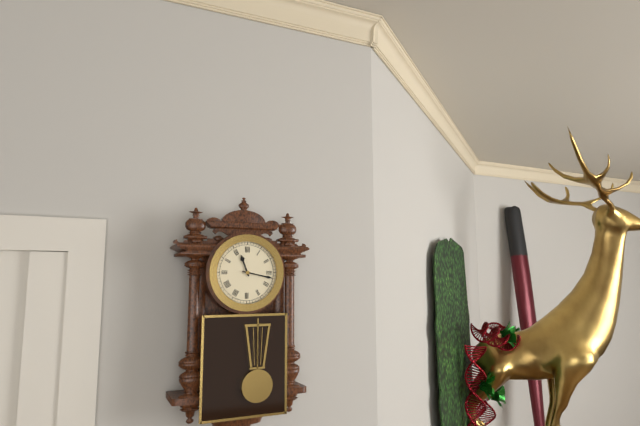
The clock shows 11.17
